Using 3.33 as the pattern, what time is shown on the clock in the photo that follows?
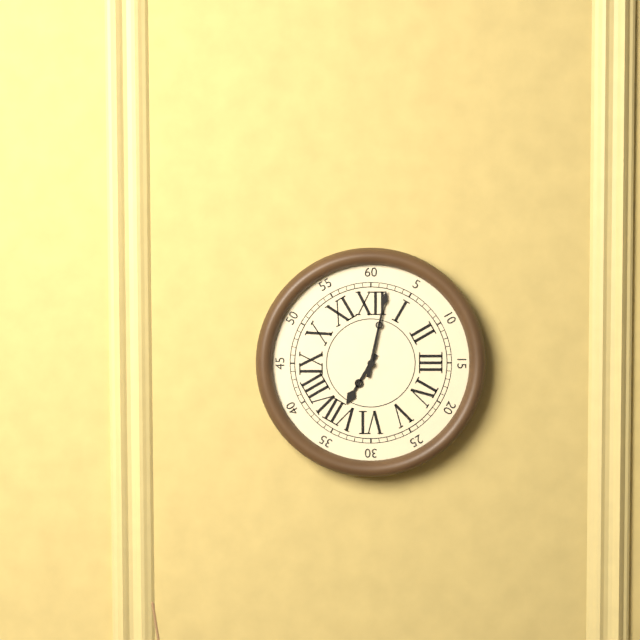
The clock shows 7.02
